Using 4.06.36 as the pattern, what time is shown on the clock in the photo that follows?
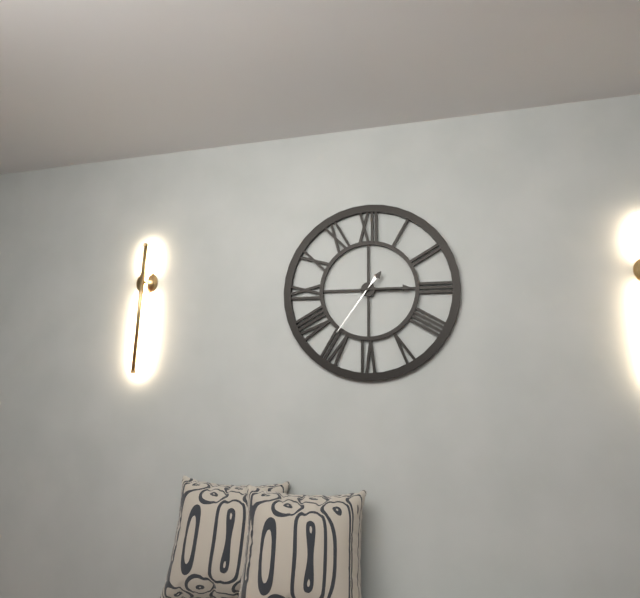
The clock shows 1.15.36
